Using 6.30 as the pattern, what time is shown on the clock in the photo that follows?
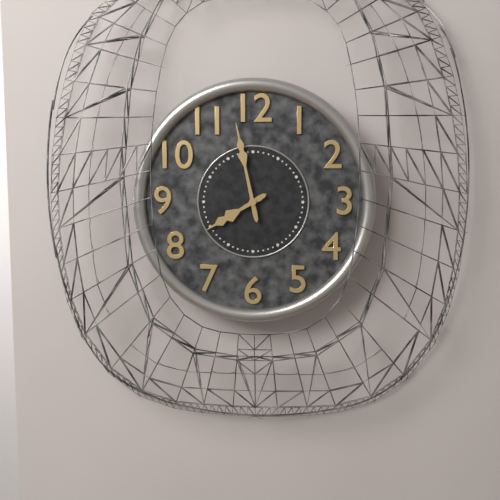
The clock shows 7.58
